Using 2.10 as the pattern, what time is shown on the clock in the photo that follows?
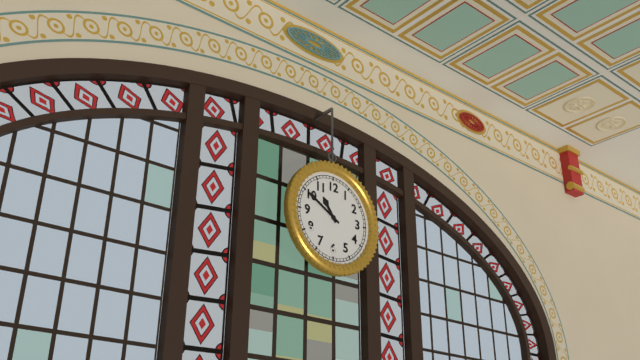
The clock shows 10.50
